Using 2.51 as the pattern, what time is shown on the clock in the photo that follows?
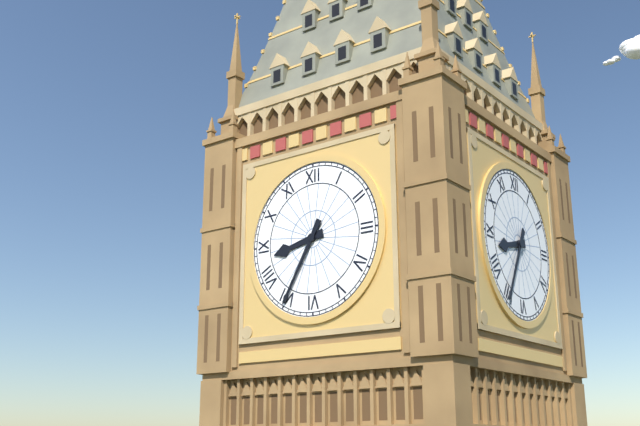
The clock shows 8.35
